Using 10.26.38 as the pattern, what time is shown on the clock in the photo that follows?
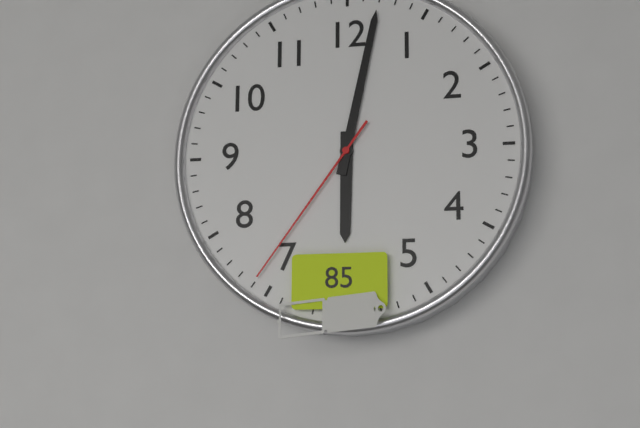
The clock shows 6.02.36
